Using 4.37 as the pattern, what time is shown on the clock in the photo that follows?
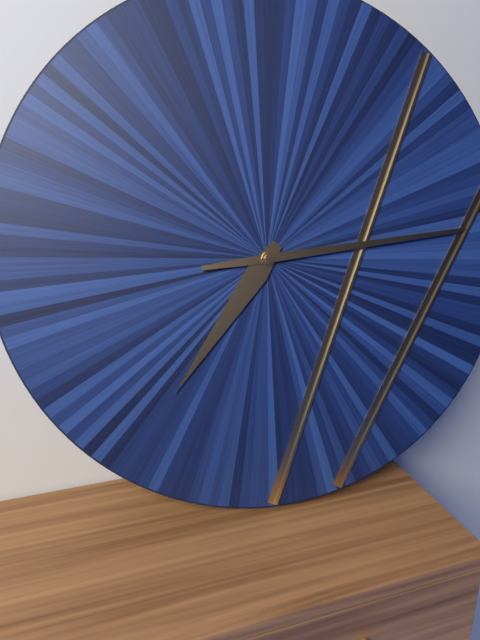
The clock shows 7.14
